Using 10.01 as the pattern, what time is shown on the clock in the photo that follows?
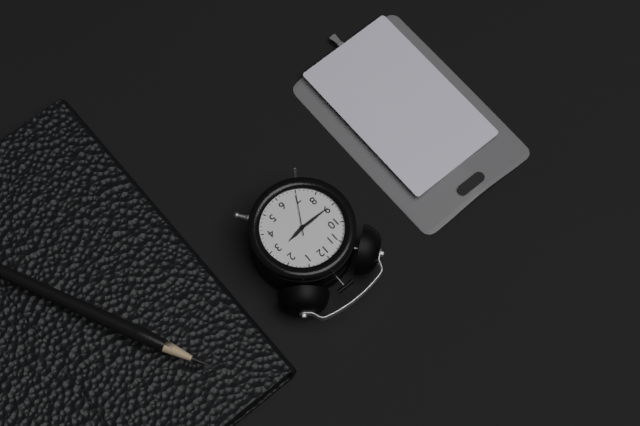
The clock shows 2.45
